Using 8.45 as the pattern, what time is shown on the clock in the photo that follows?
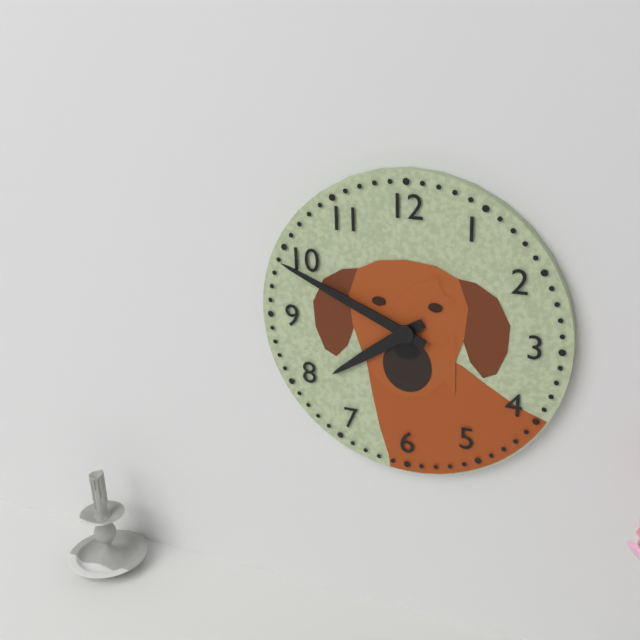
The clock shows 7.49
